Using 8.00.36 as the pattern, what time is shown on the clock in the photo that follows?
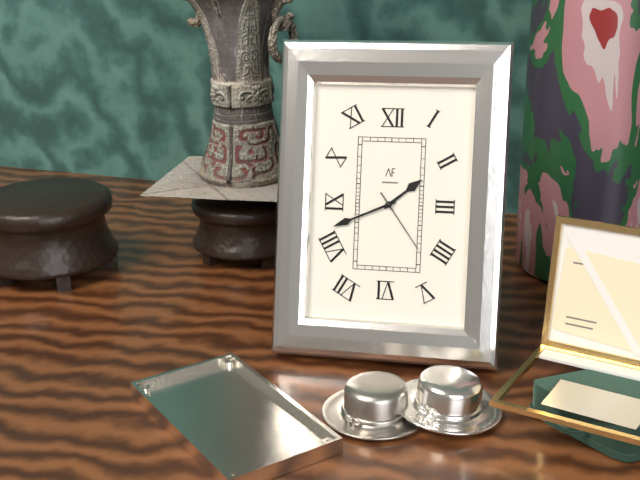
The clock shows 1.41.24
